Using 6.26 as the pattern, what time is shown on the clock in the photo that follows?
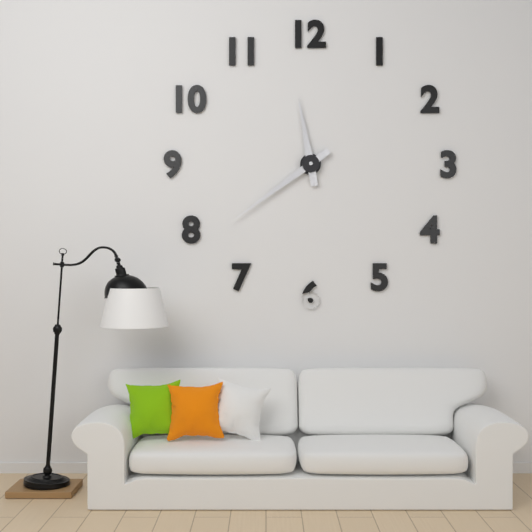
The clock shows 11.39
